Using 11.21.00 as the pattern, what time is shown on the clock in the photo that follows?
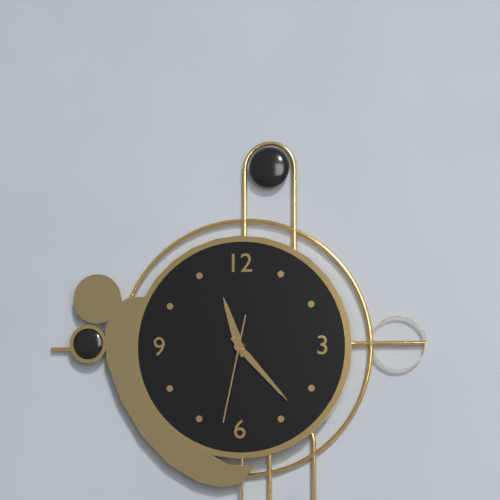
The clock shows 11.23.32
